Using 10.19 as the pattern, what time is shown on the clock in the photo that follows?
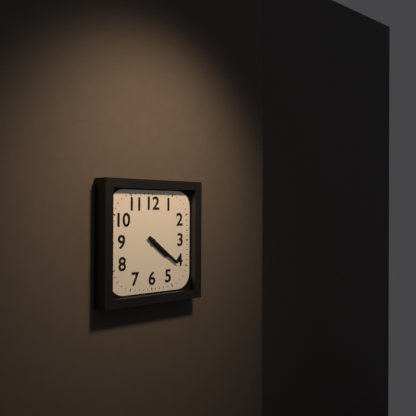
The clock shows 4.21
